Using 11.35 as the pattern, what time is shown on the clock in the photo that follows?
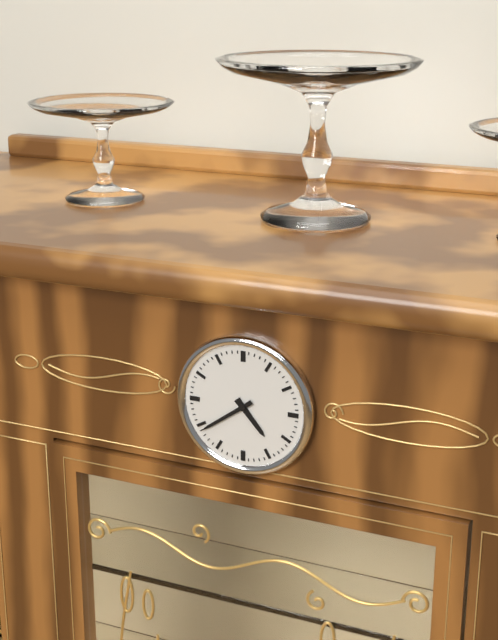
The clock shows 4.39
